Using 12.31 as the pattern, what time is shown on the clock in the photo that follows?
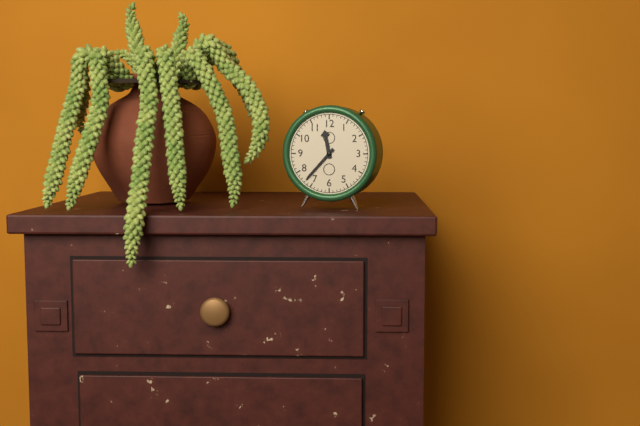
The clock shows 11.37
